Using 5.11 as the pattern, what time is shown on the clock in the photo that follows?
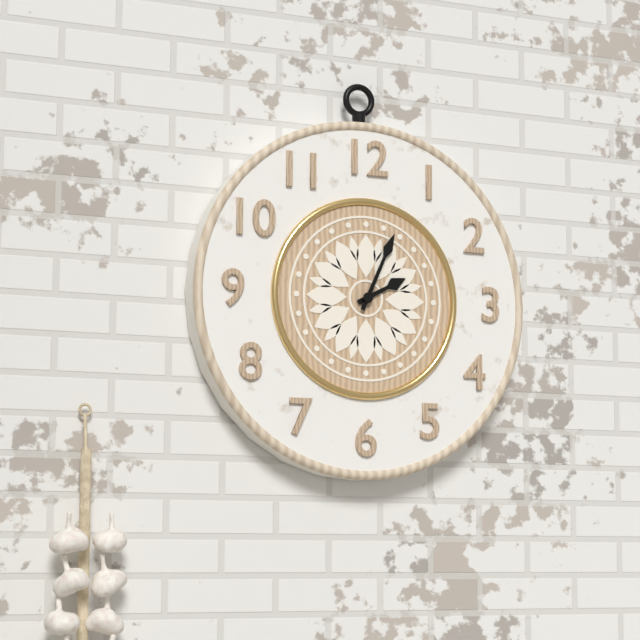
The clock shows 2.04
